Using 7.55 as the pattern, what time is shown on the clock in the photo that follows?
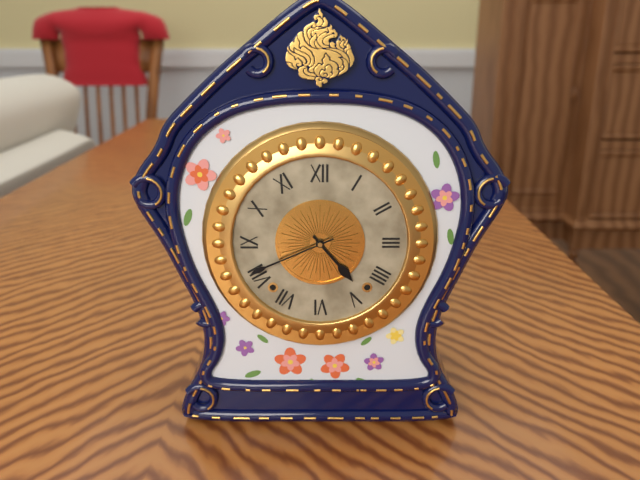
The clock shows 4.41
